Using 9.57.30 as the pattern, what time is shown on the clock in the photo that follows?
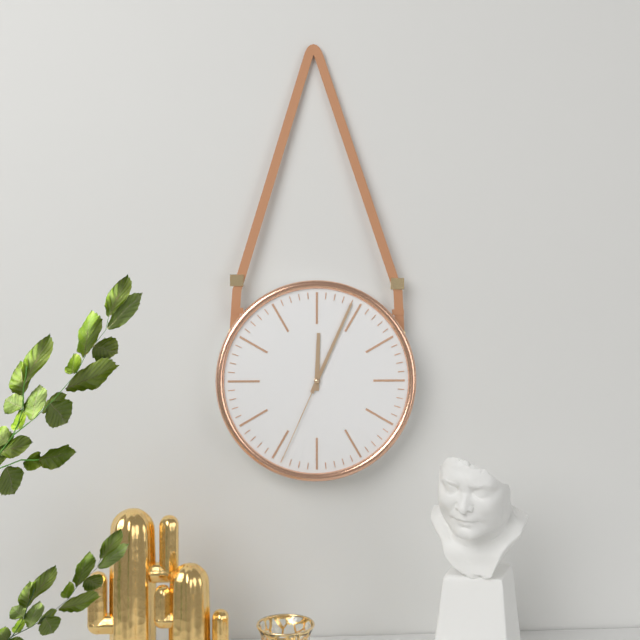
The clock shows 12.04.34
